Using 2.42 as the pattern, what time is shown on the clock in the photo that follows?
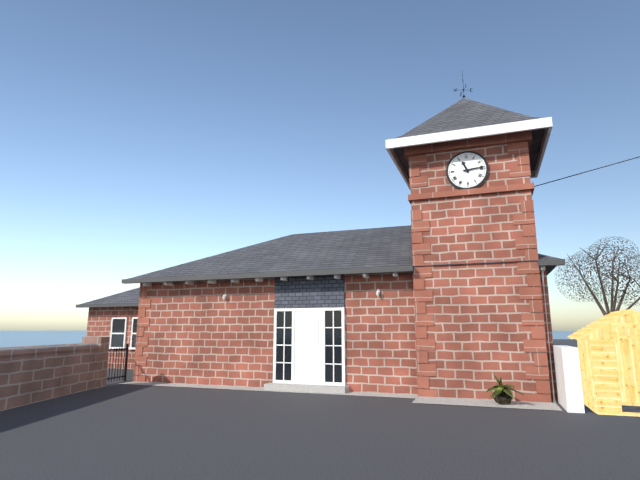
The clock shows 11.14
